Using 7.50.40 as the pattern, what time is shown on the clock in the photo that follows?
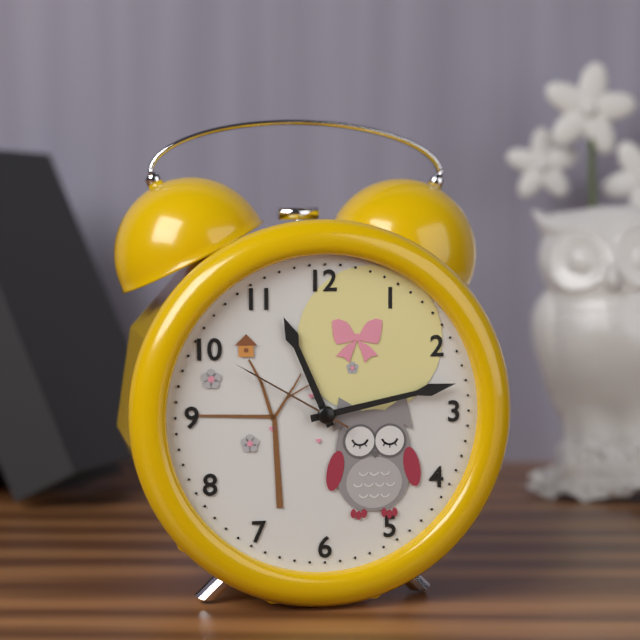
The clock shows 11.13.50
